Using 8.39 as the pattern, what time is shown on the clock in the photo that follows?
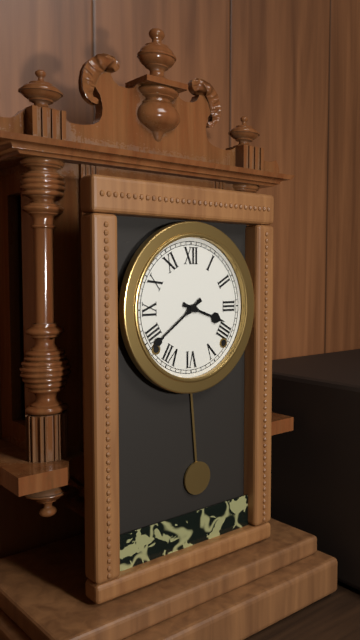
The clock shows 3.39
